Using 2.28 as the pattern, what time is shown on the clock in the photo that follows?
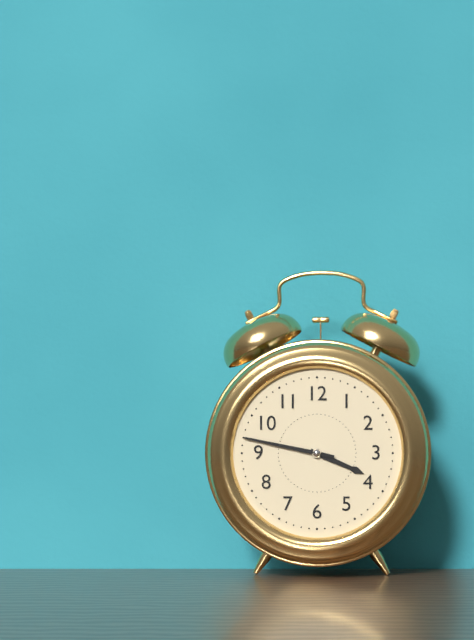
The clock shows 3.47
